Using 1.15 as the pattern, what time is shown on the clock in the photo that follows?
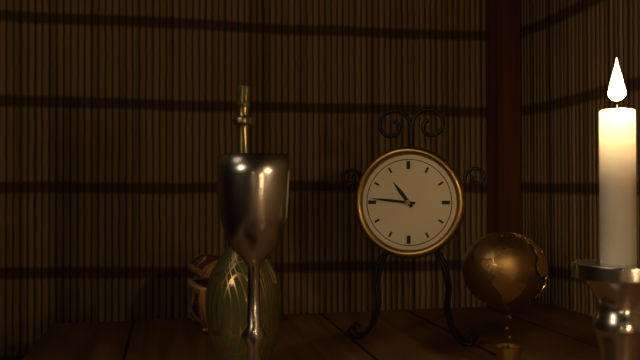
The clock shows 10.46
